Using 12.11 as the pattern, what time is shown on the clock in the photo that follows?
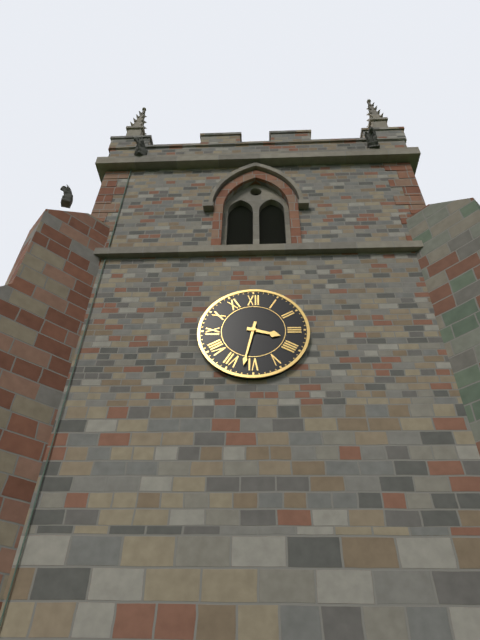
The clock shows 3.32
